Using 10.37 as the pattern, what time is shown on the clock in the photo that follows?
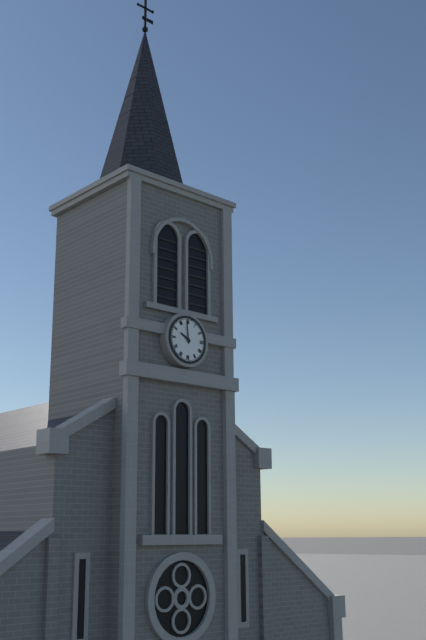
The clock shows 9.59
